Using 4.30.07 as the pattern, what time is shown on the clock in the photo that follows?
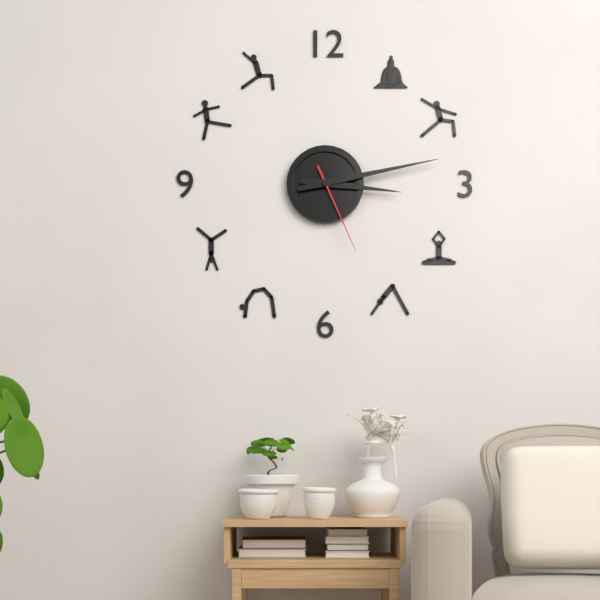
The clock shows 3.13.26
